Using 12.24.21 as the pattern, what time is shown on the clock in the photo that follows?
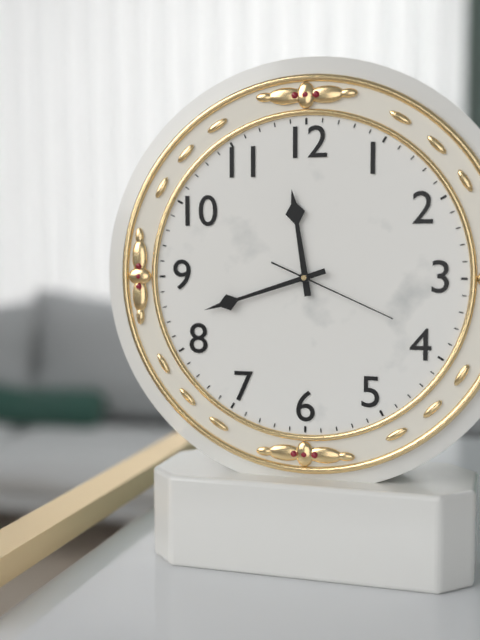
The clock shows 11.42.19
